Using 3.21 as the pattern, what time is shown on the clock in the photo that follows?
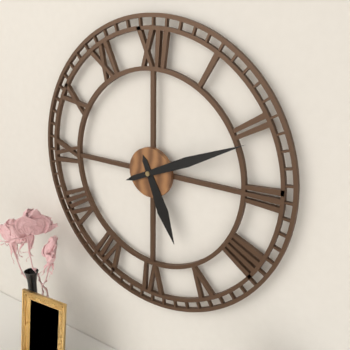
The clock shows 5.11
